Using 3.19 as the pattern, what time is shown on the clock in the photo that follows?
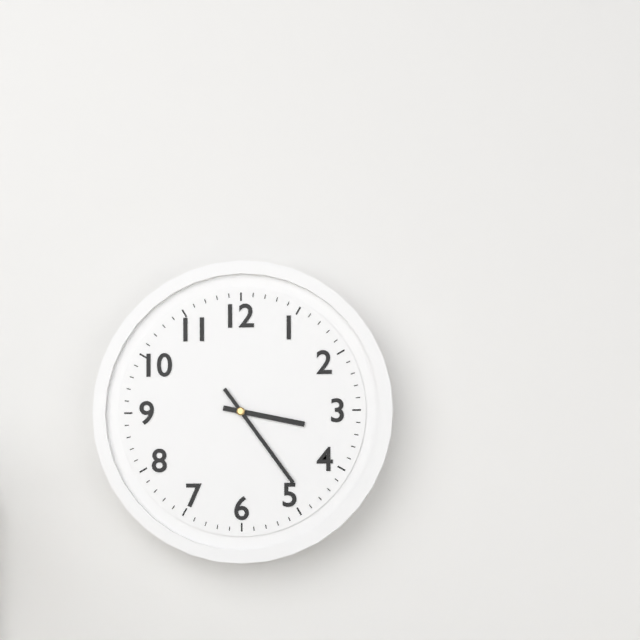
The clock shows 3.24
